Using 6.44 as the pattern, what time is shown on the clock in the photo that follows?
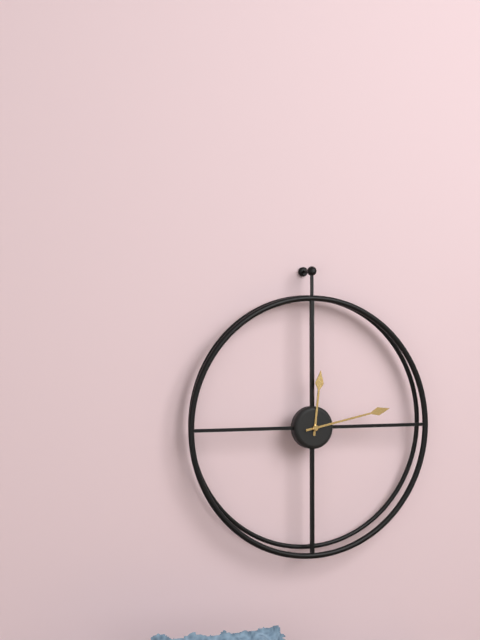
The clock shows 12.13
